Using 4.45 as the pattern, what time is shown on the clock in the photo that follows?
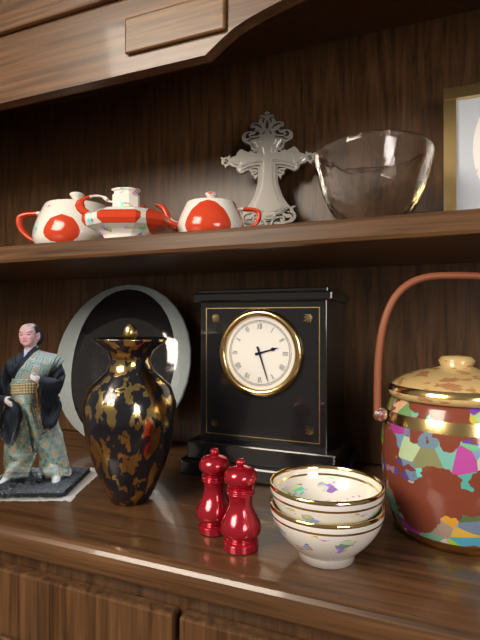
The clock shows 2.27
